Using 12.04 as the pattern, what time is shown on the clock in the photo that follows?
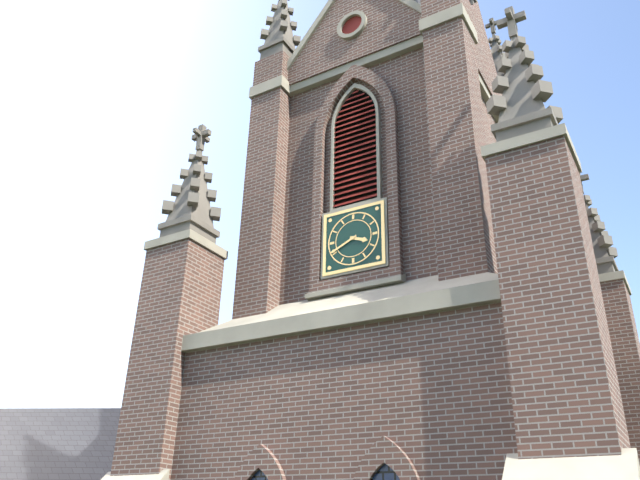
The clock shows 3.41
